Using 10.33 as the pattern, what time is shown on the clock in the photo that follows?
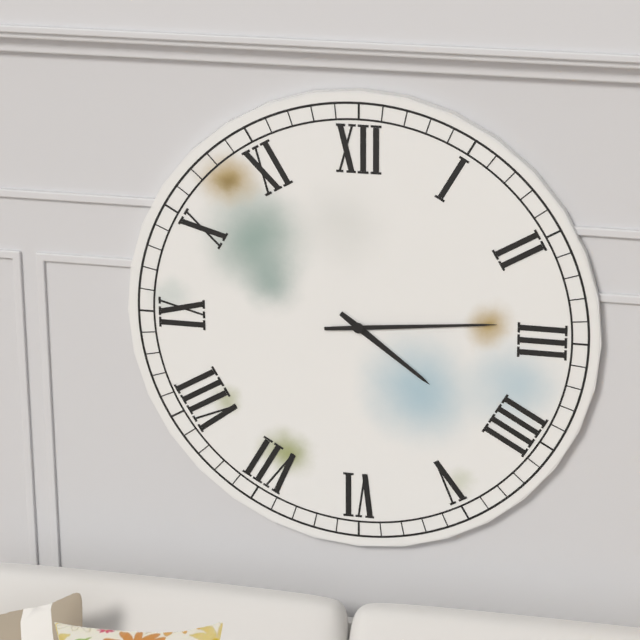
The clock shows 4.14
